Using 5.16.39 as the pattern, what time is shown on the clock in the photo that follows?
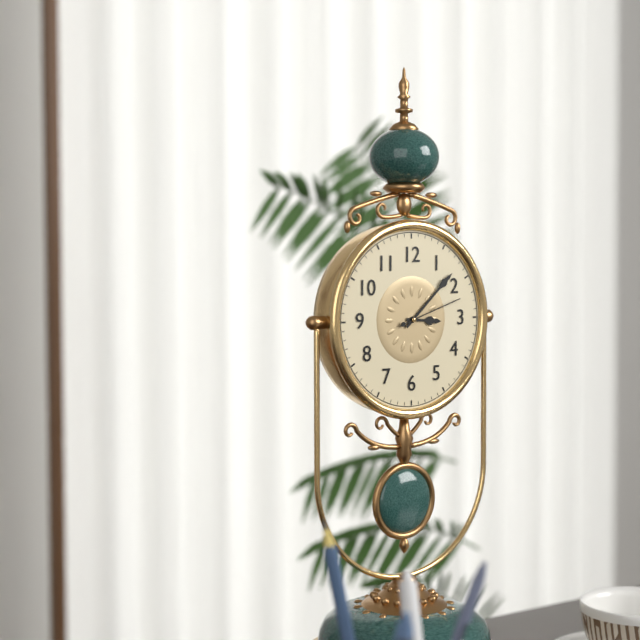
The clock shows 3.08.12
